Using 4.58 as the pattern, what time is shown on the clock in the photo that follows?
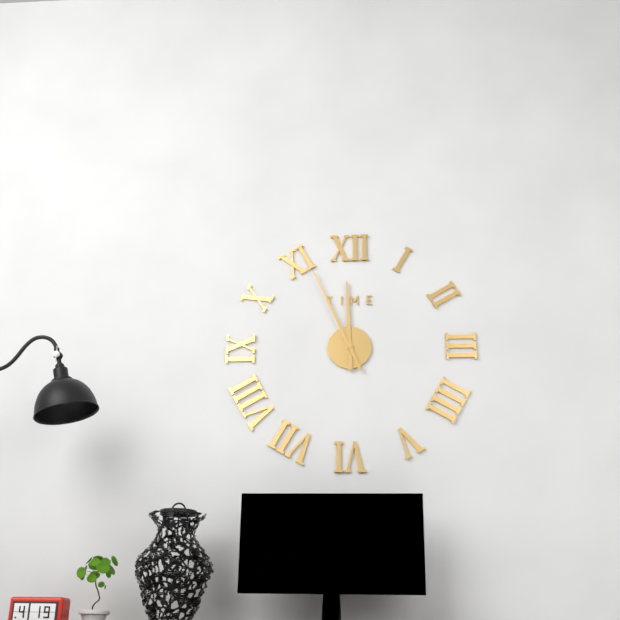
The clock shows 11.56
